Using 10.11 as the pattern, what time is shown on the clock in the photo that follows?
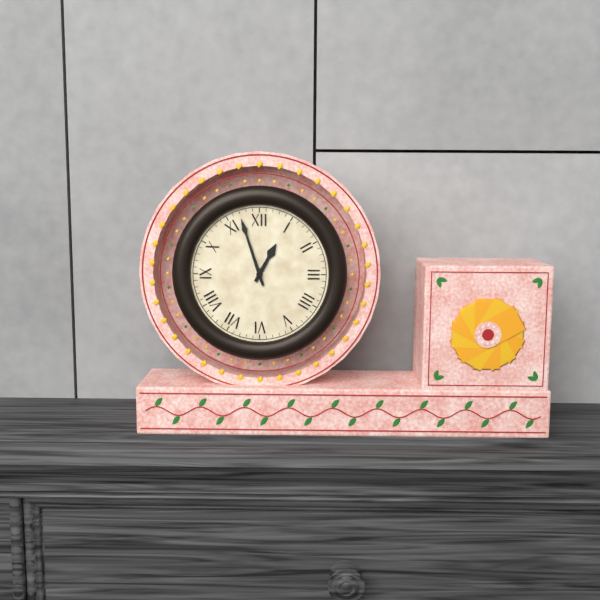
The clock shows 12.57
